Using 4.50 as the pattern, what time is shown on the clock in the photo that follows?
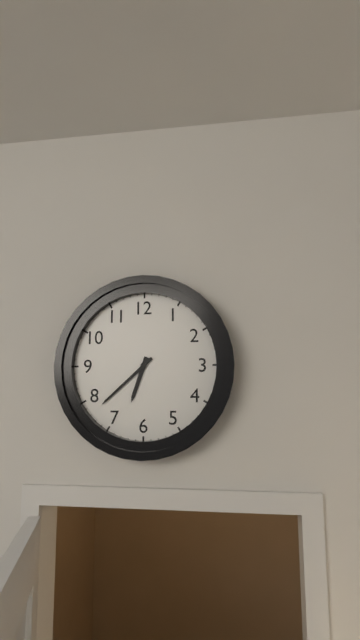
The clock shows 6.38
